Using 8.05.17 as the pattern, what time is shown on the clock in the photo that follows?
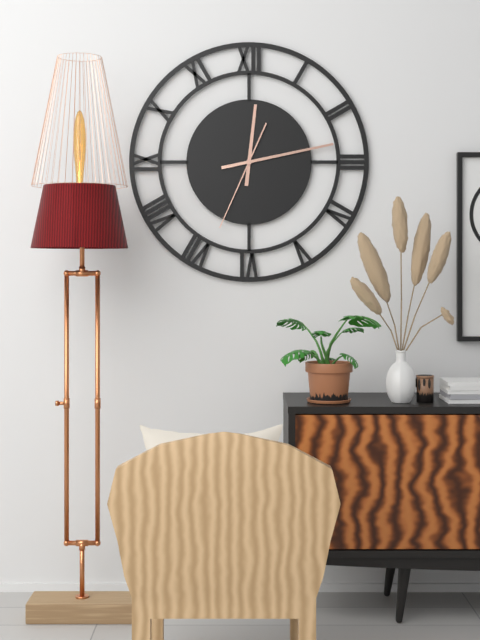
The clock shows 12.13.34
